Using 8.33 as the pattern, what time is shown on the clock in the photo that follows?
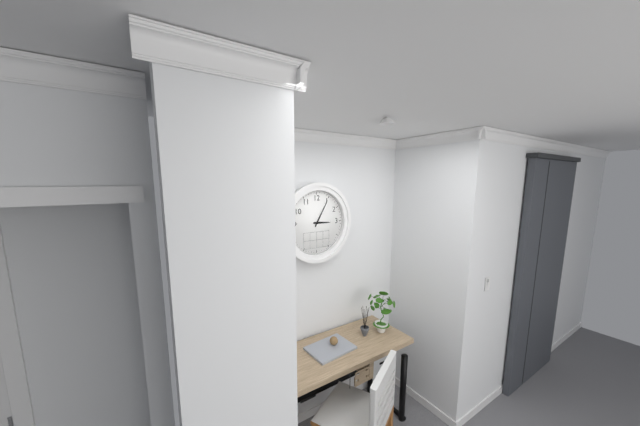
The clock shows 3.05
